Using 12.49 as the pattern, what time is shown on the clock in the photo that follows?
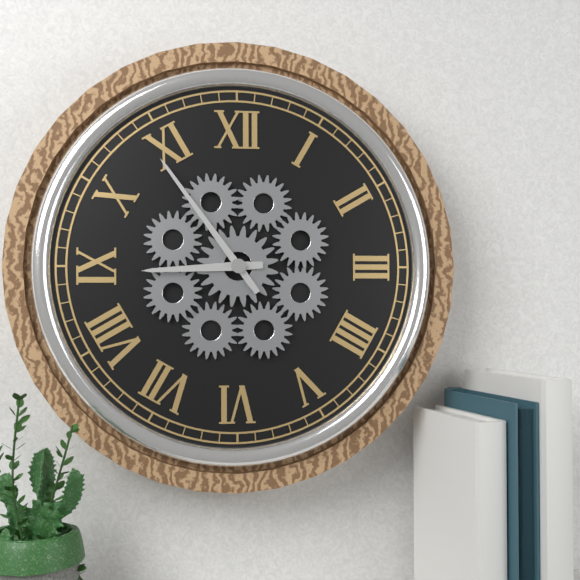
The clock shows 8.54
